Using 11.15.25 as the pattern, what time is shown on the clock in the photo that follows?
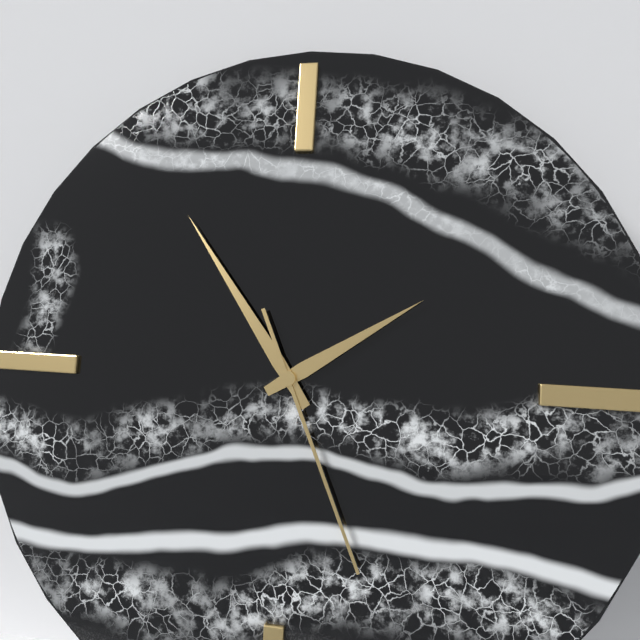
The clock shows 1.54.26
